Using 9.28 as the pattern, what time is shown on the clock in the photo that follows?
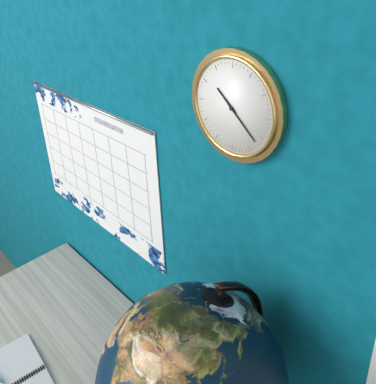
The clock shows 10.22
